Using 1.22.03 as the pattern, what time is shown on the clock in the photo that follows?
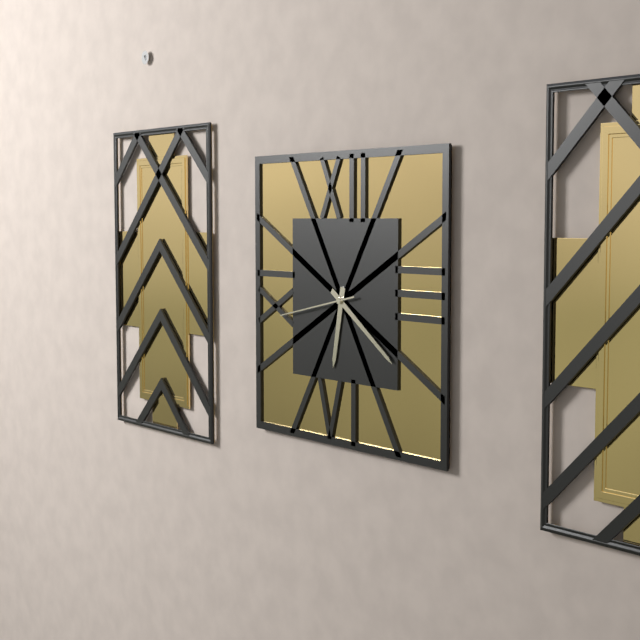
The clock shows 6.21.43
